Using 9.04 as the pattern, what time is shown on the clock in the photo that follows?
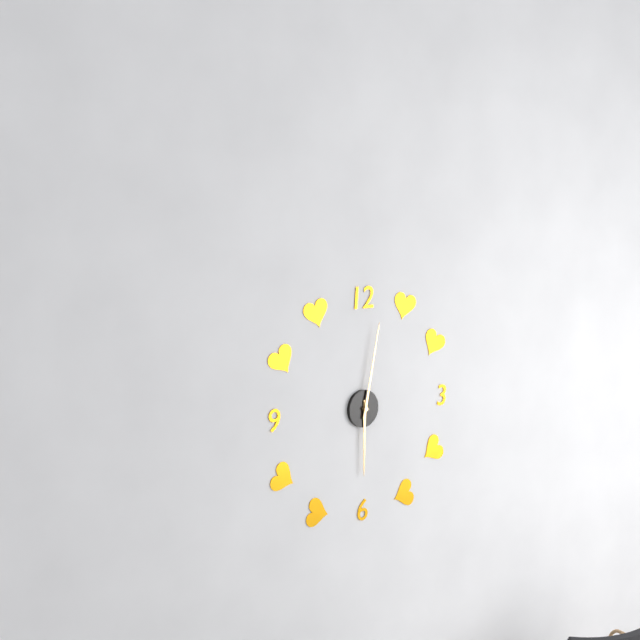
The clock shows 6.02
